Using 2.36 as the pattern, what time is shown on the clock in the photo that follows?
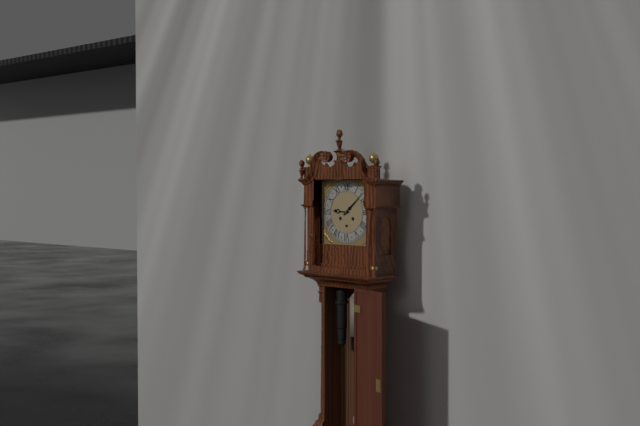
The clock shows 9.08
